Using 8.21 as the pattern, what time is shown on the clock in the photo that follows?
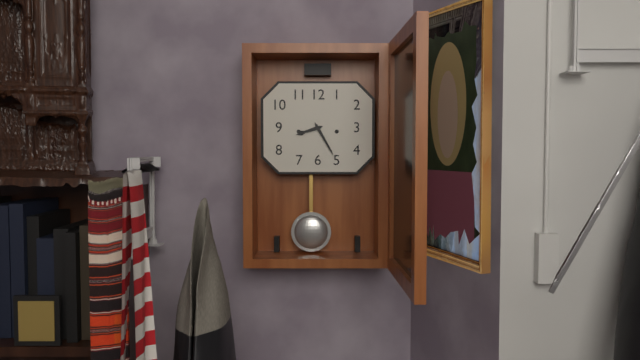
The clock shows 8.25
